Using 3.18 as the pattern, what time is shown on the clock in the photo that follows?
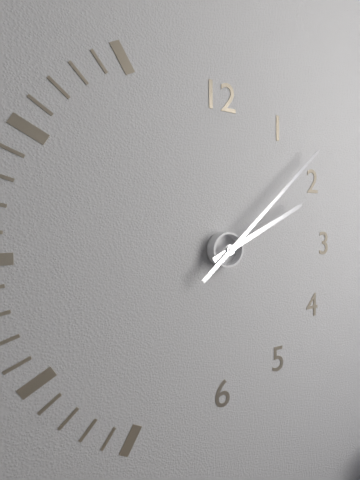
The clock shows 2.08
